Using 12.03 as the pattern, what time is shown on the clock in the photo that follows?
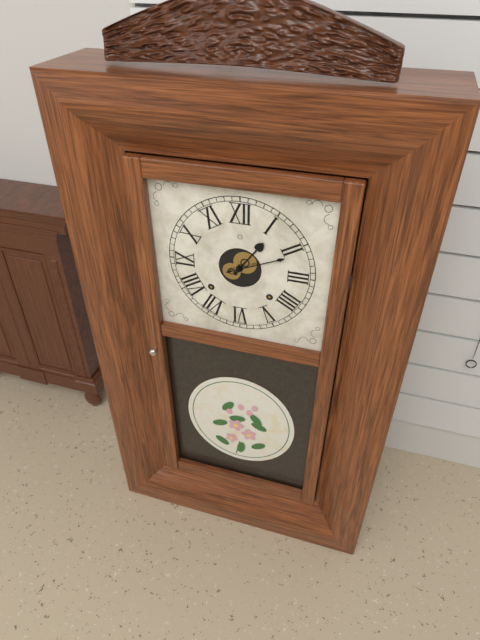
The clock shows 1.11
